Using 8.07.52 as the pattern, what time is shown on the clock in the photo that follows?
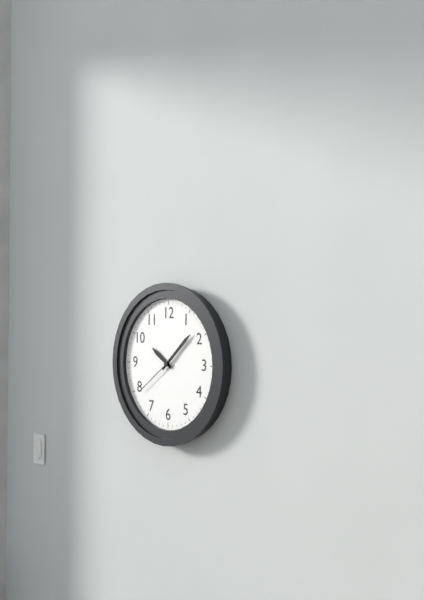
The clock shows 10.08.39
